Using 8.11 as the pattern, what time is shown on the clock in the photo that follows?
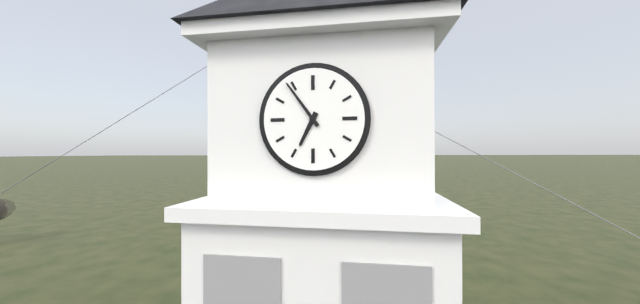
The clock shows 6.54
